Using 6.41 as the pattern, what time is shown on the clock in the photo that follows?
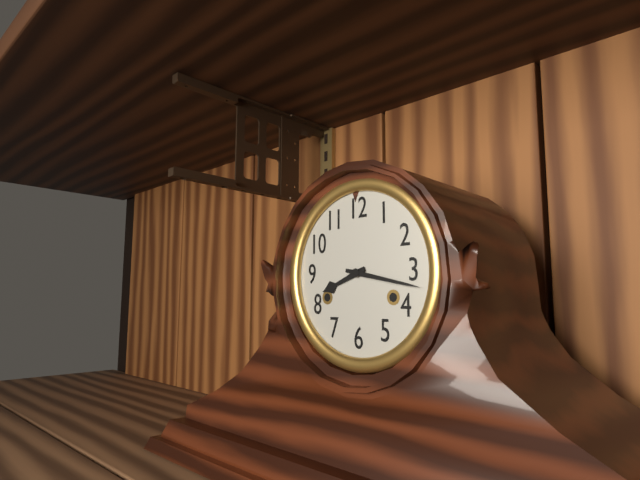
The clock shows 8.17
